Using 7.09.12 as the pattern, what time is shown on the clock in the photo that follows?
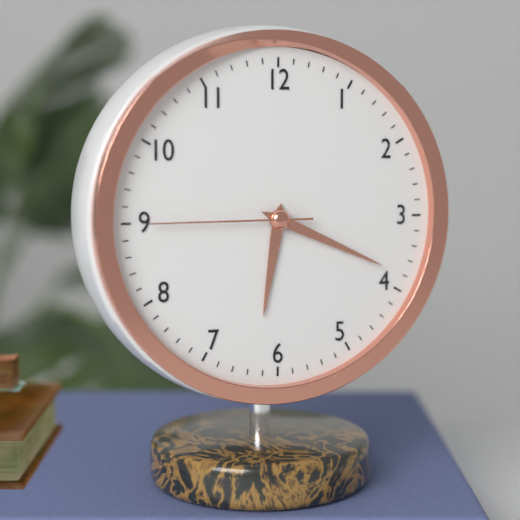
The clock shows 6.19.45
